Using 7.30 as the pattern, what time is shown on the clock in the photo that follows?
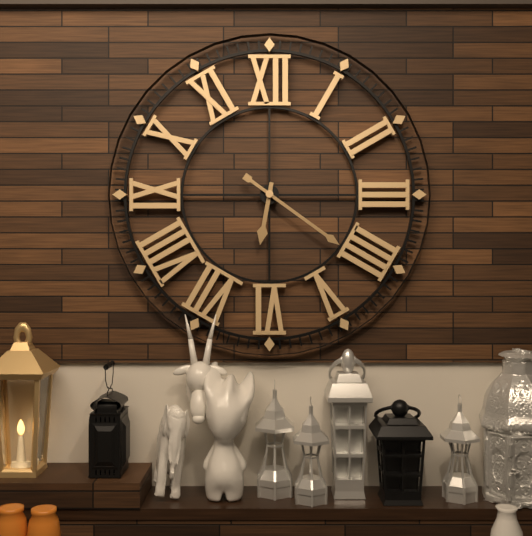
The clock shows 6.21
